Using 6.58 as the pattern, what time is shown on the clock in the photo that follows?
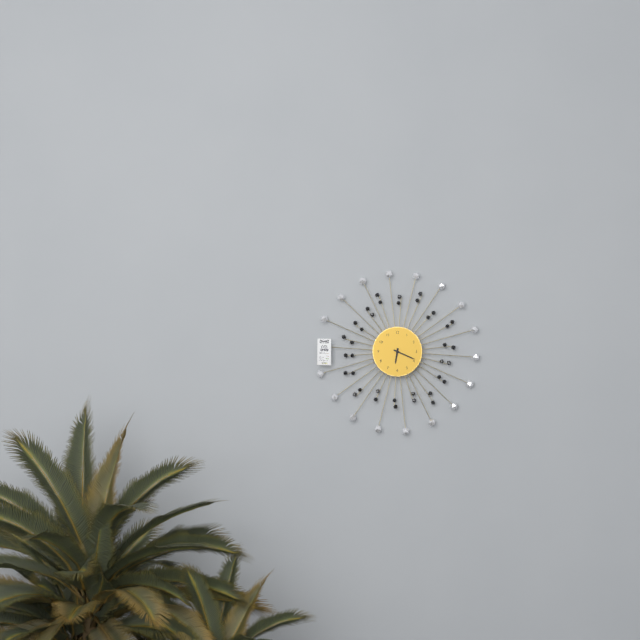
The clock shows 6.19
